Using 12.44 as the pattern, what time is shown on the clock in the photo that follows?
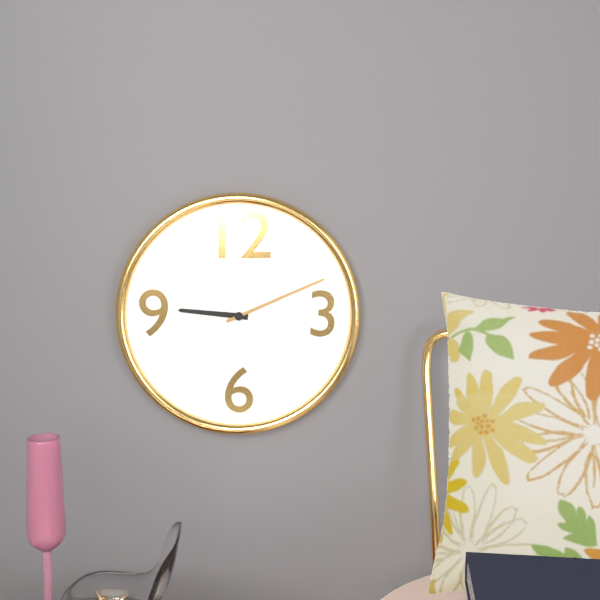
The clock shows 9.11
